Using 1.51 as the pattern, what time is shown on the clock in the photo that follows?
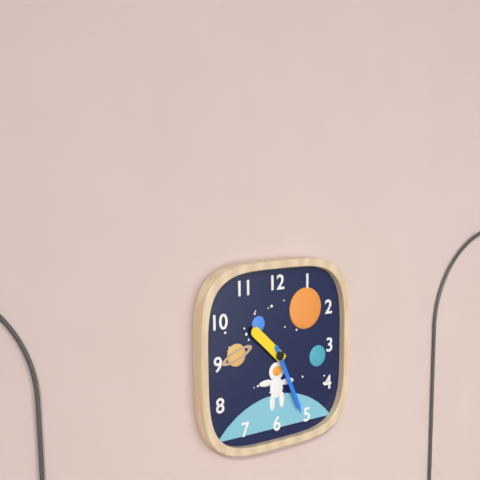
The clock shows 10.26
